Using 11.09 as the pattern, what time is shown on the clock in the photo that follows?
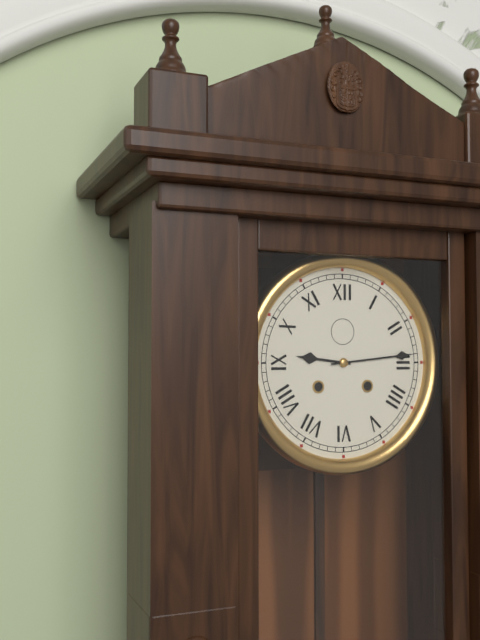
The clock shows 9.14
